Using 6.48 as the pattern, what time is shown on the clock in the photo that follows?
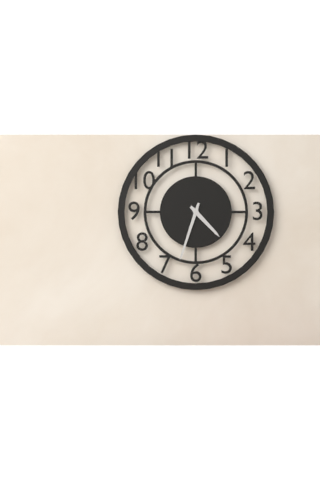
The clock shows 4.33
